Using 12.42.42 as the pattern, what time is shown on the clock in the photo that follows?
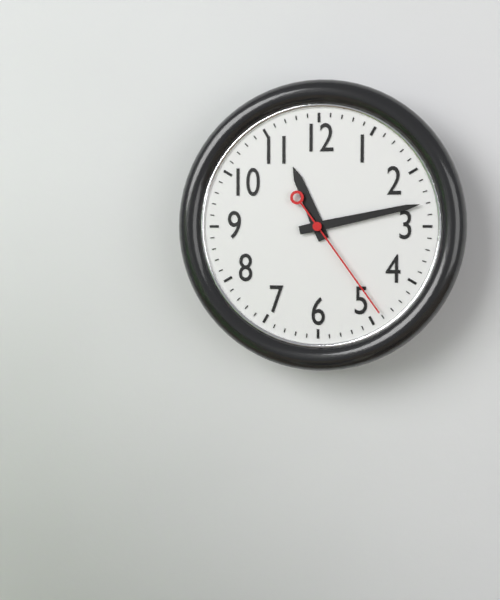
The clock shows 11.13.24
